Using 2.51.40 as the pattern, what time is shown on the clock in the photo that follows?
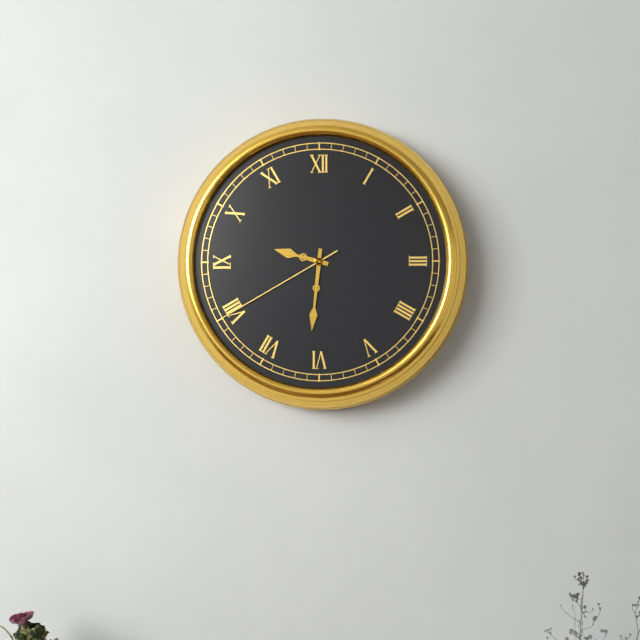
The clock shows 9.31.40
